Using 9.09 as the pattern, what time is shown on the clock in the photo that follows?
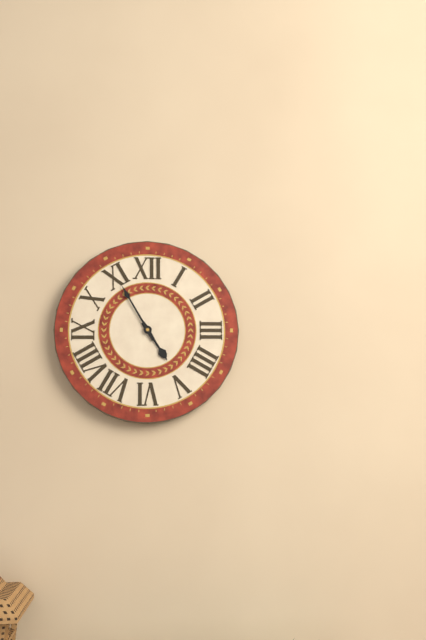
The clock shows 4.55
